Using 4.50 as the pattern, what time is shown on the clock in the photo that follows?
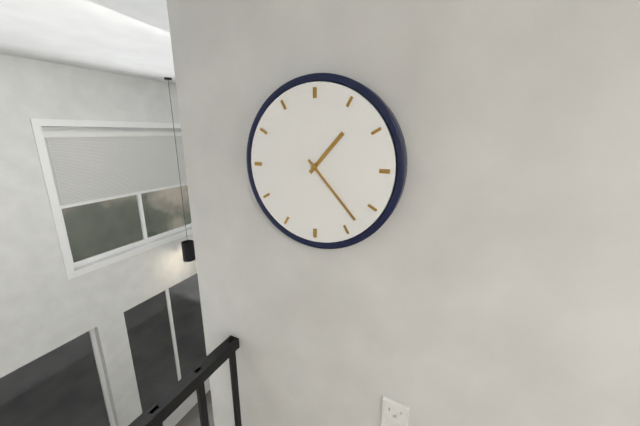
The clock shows 1.23
